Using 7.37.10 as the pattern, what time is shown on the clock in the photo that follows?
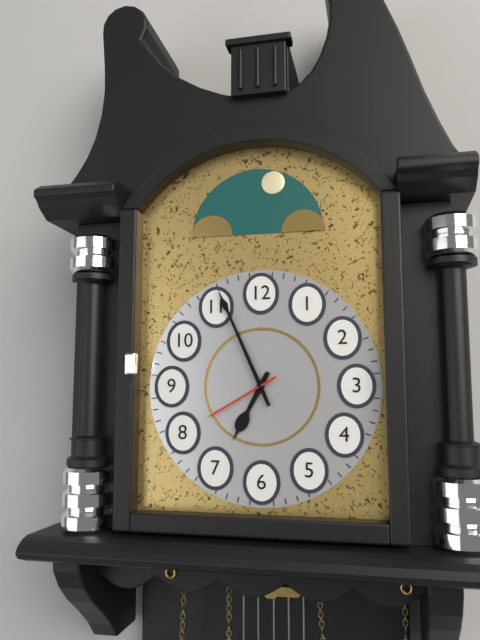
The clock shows 6.56.40
